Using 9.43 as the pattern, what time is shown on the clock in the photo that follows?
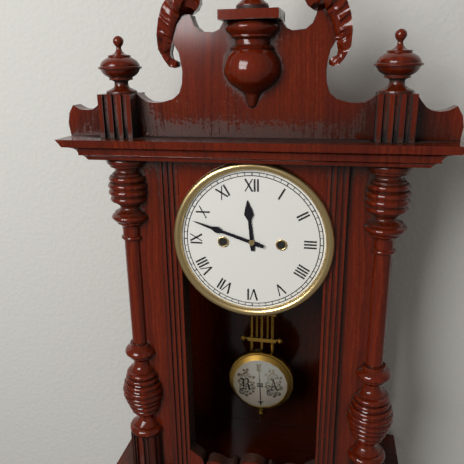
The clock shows 11.48
